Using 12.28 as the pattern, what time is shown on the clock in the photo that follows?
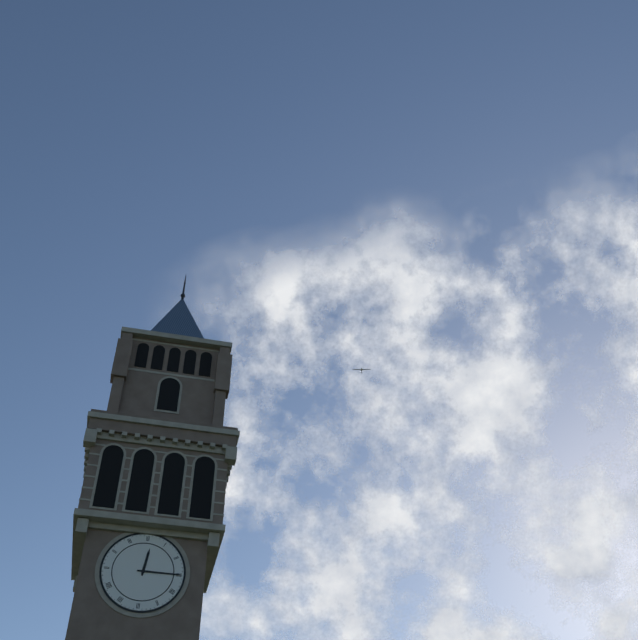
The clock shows 12.15
